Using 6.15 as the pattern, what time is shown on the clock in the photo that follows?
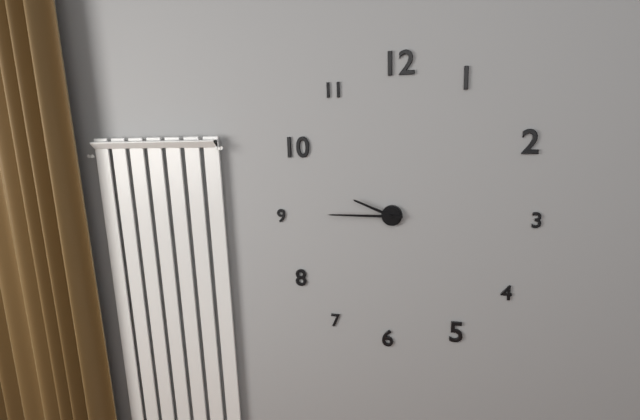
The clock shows 9.45
